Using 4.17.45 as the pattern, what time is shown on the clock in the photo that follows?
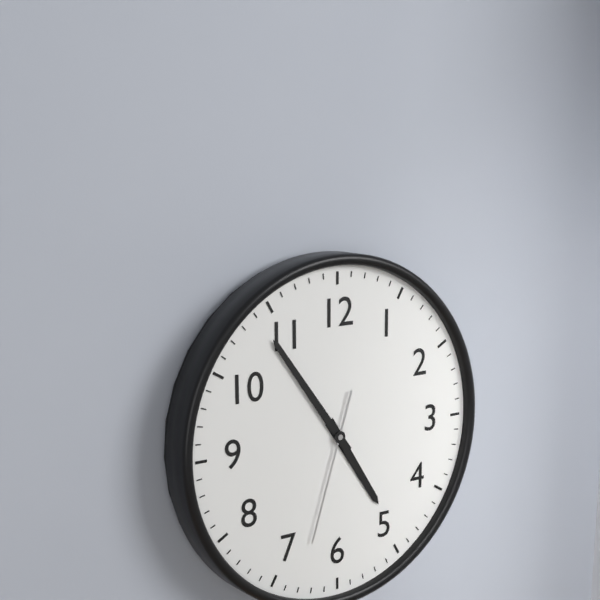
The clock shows 4.54.33
